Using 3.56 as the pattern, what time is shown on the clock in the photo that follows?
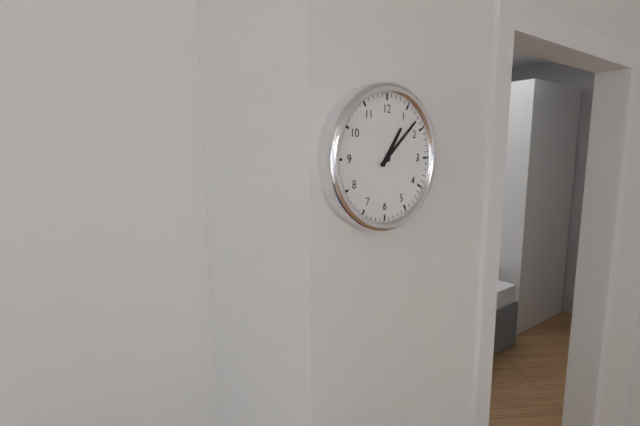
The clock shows 1.08
